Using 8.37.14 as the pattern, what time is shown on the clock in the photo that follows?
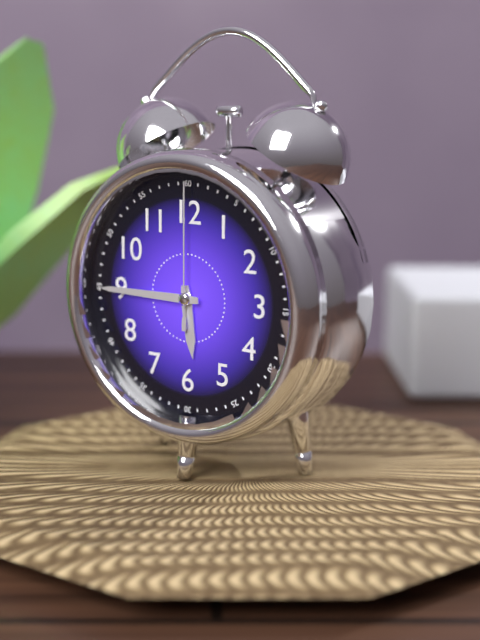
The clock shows 5.45.00
